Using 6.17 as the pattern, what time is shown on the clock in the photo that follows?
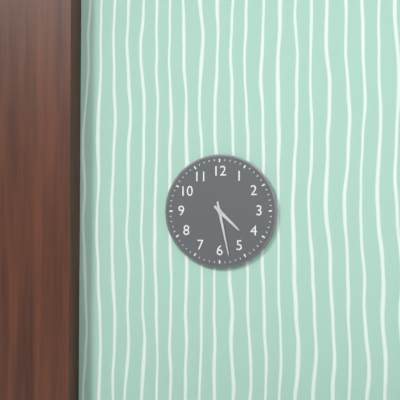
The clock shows 4.28
